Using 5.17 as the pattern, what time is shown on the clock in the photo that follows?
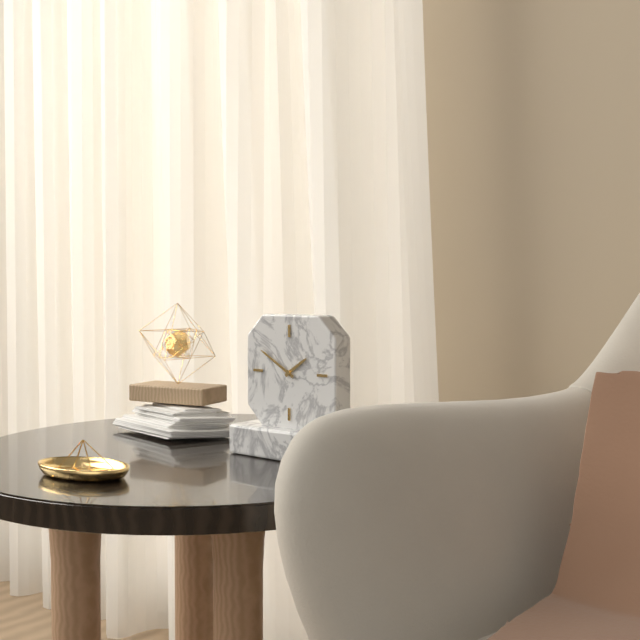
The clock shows 1.50
